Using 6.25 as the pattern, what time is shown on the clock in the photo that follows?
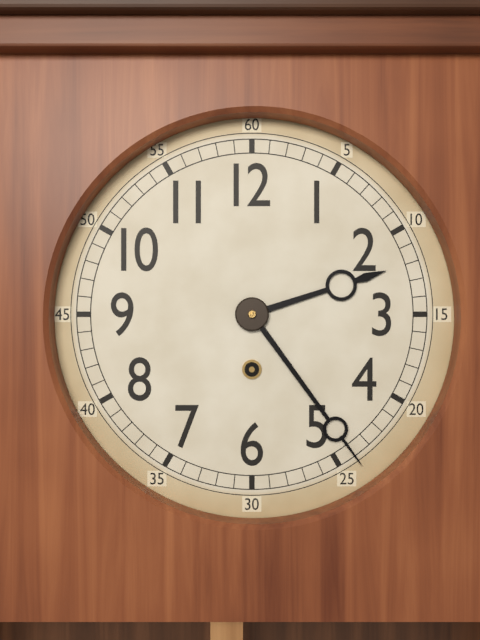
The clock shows 2.24
